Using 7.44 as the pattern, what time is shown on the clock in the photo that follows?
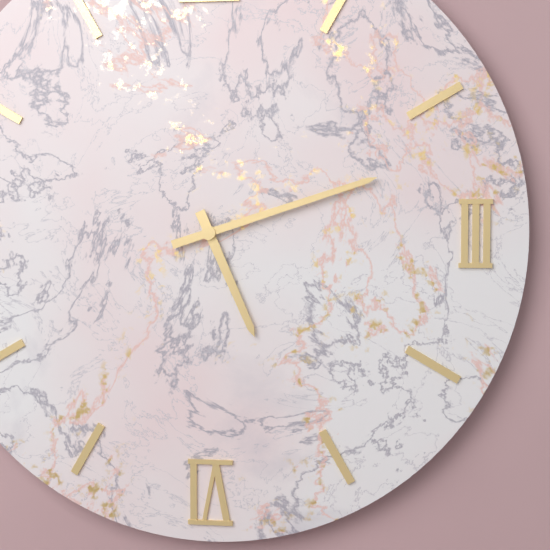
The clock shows 5.12
